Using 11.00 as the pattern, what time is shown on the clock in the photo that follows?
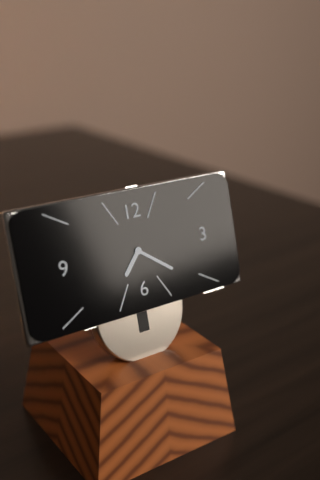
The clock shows 7.21
